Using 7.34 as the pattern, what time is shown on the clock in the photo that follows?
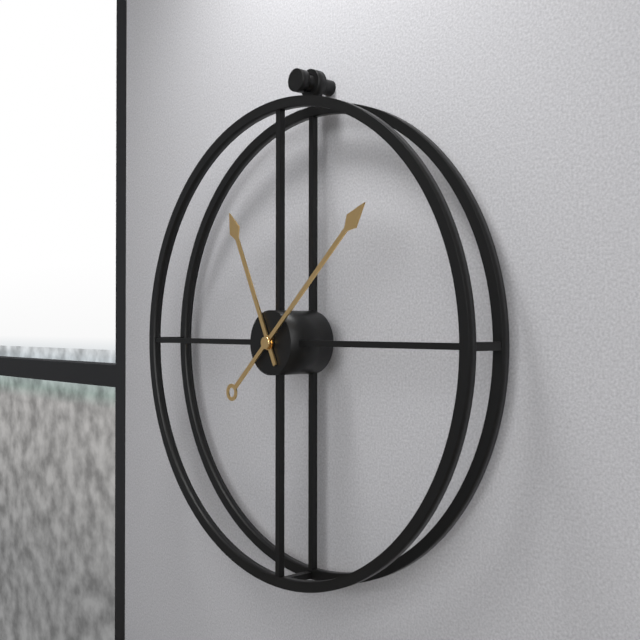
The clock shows 11.08
